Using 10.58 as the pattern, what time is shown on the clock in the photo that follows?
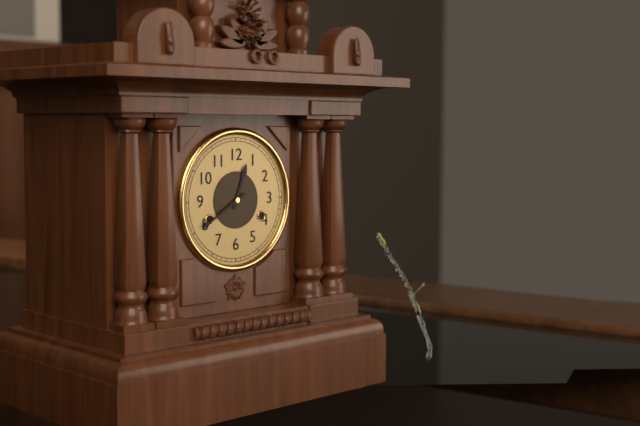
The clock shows 12.40
